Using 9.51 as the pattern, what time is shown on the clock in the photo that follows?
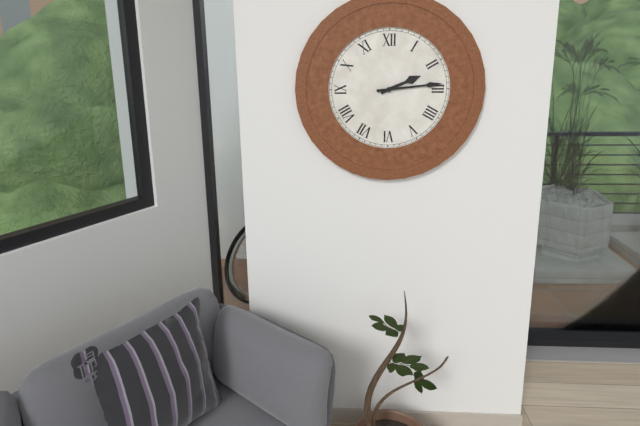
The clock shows 2.14
